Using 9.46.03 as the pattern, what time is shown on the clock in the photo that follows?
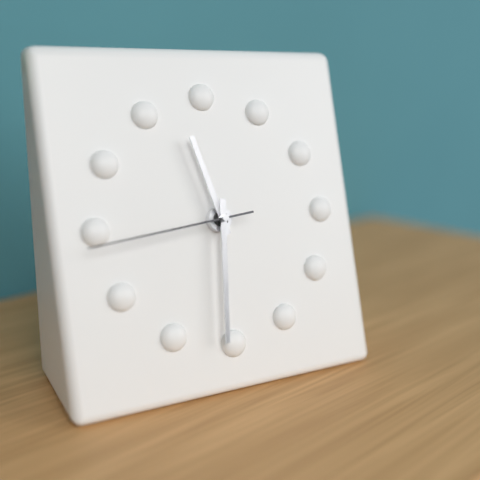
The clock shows 11.31.44
